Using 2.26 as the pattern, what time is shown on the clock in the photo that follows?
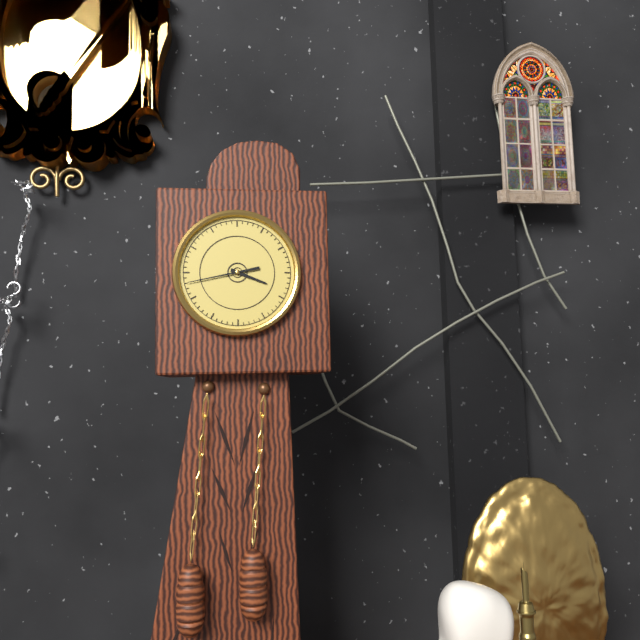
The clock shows 3.43
